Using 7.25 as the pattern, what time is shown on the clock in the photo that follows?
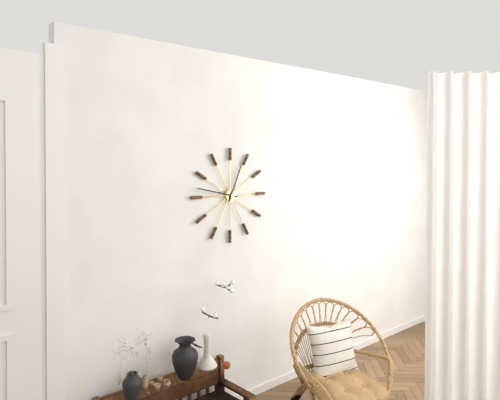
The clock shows 12.47
